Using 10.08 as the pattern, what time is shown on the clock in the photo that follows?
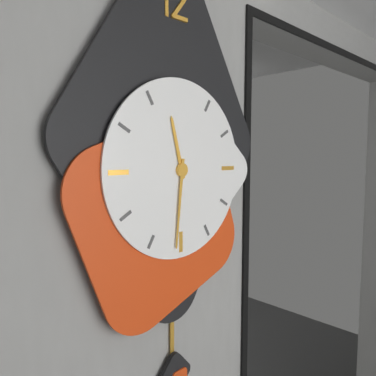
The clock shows 11.31
